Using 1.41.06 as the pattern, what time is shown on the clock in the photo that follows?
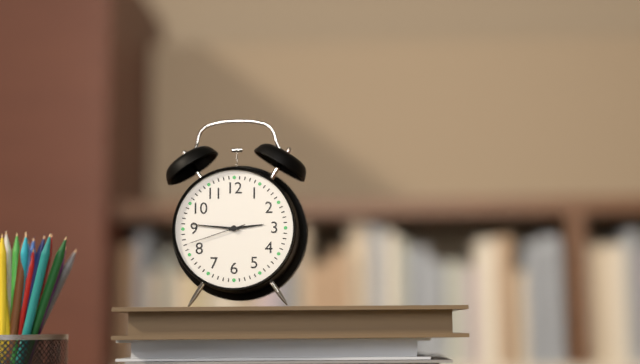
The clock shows 2.46.42
